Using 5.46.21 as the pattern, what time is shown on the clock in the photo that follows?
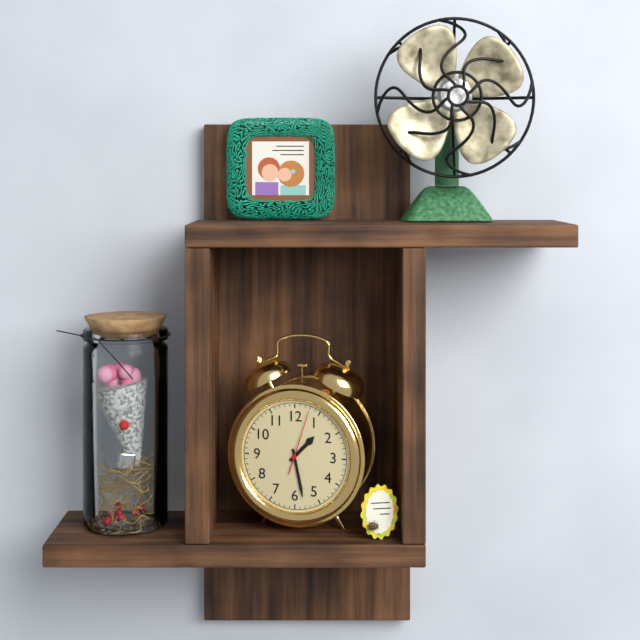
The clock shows 1.28.03
